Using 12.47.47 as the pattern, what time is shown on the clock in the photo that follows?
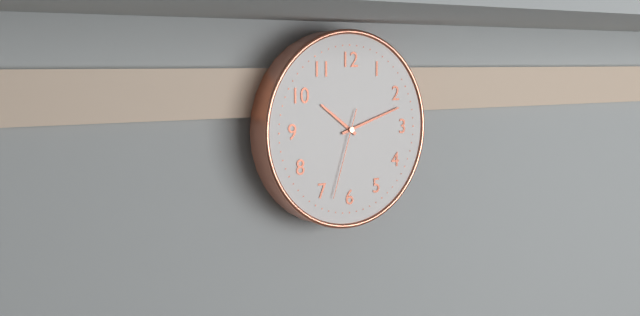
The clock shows 10.12.33
